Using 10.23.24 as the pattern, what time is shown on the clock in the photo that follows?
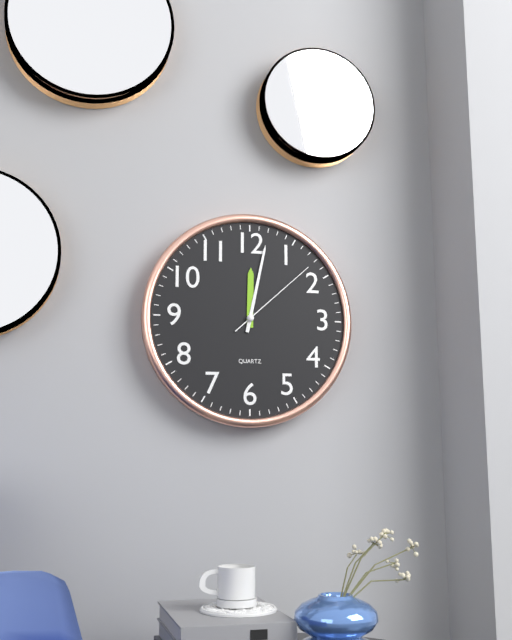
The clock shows 12.02.08
